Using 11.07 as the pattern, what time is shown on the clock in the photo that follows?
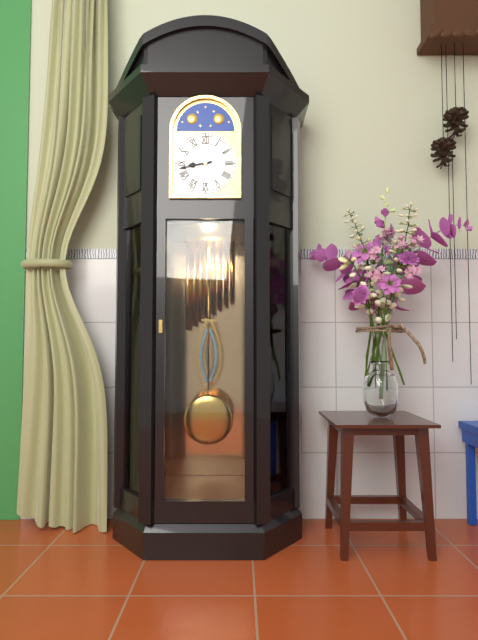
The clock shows 8.43
